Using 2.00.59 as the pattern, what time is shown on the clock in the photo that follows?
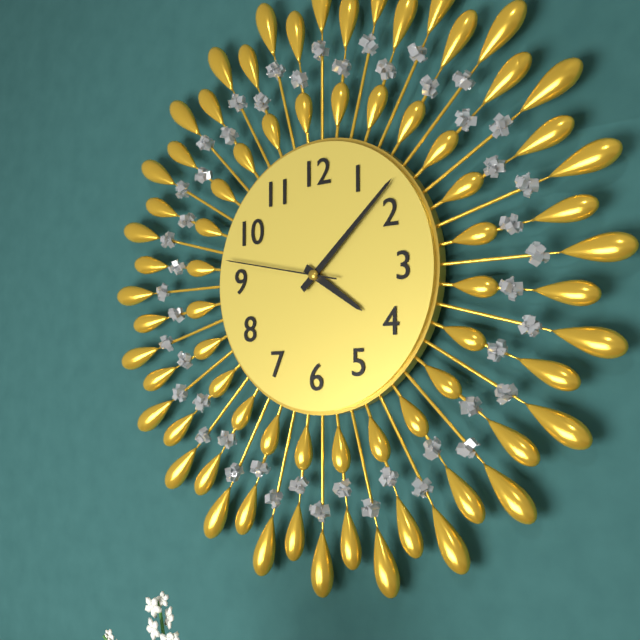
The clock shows 4.08.47
